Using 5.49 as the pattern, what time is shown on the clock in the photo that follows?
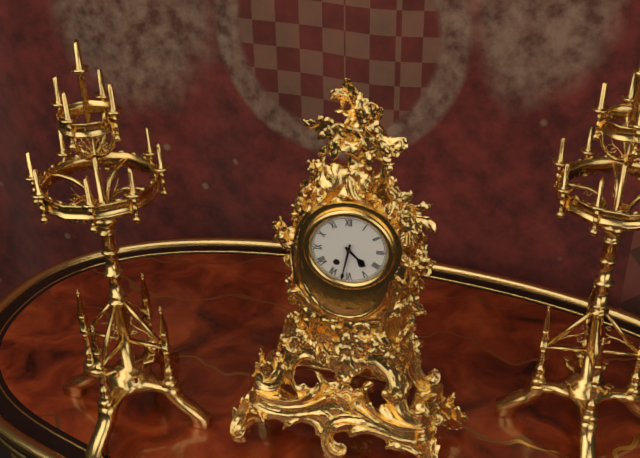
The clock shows 4.32
